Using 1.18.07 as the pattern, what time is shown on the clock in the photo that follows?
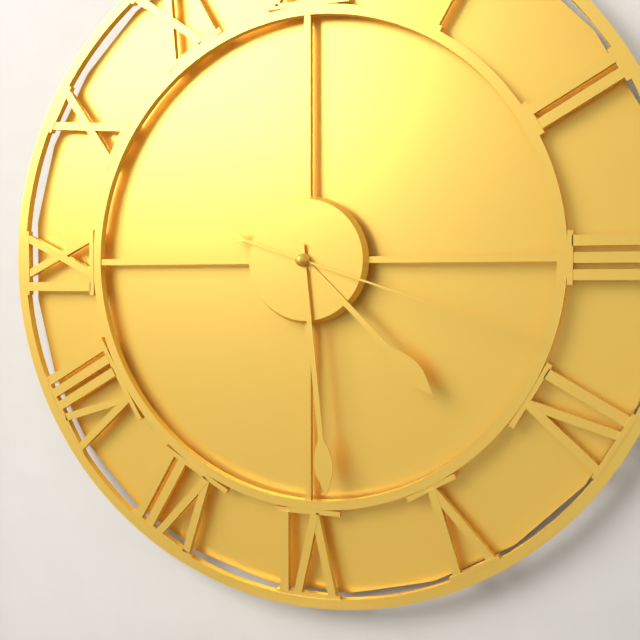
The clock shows 4.29.18
